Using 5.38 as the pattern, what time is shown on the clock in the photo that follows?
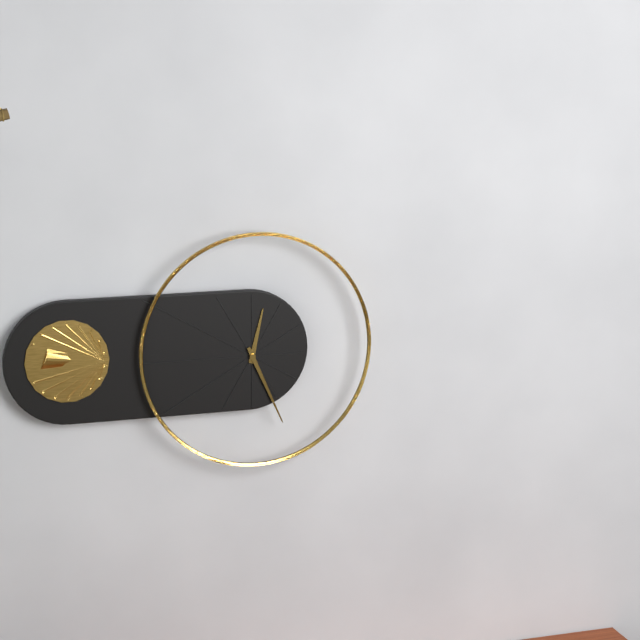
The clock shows 12.26
